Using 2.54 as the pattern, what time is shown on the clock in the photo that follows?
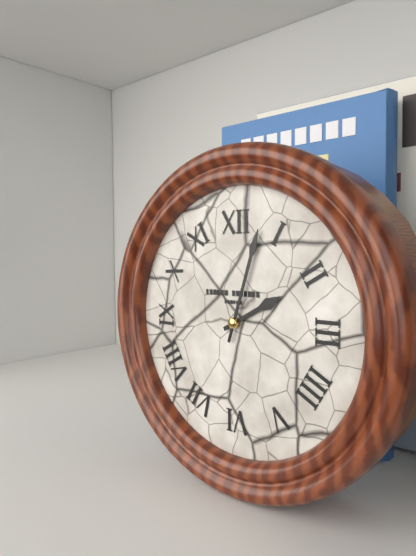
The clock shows 2.03
